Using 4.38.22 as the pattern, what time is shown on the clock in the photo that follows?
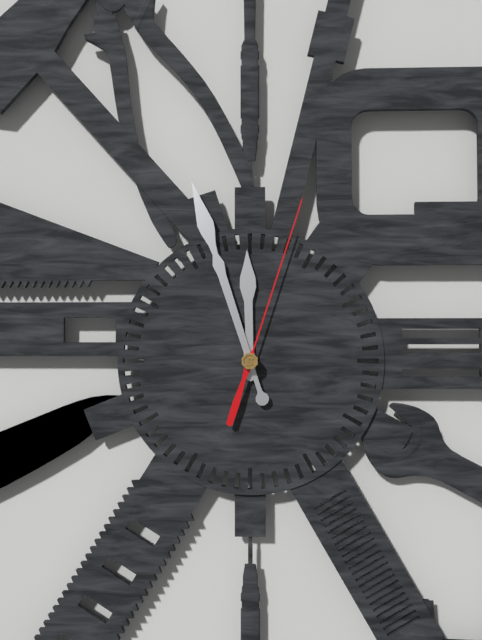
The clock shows 11.57.03
